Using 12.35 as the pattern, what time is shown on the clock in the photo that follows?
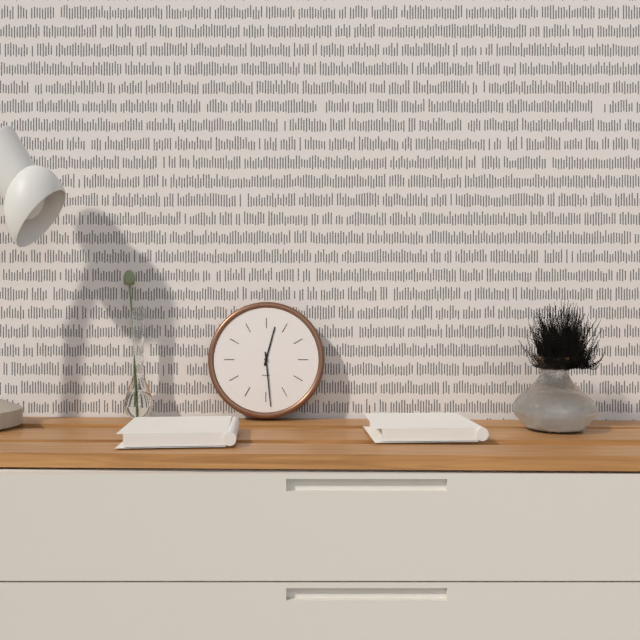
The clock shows 12.29
